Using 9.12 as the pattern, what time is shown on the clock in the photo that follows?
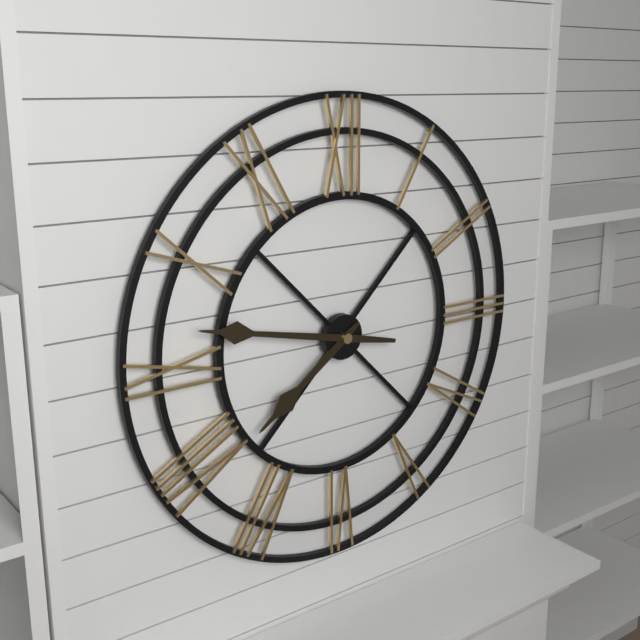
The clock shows 7.47
